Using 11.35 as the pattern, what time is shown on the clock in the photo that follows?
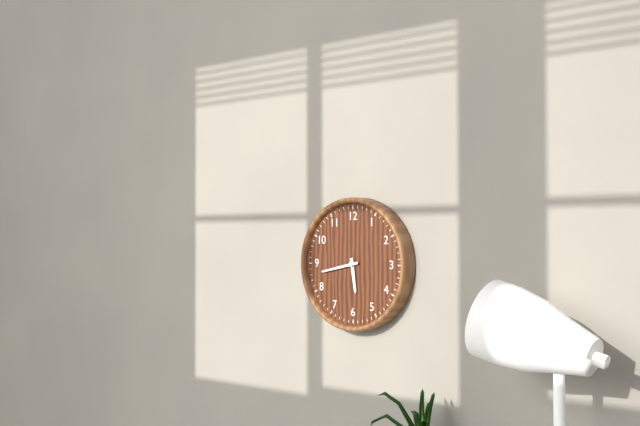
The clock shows 5.43
